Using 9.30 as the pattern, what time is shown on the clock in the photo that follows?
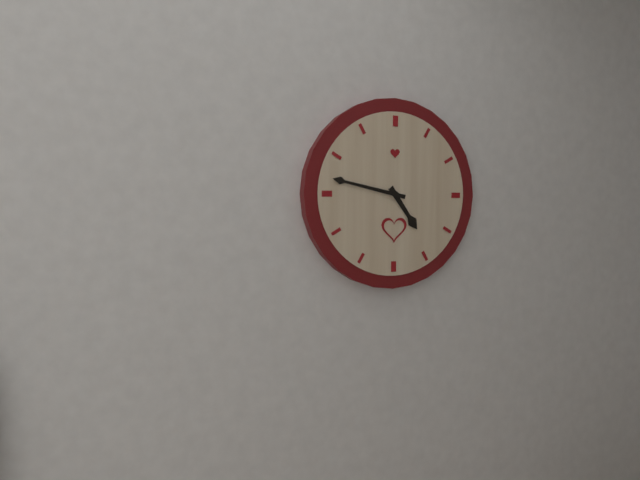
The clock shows 4.47
